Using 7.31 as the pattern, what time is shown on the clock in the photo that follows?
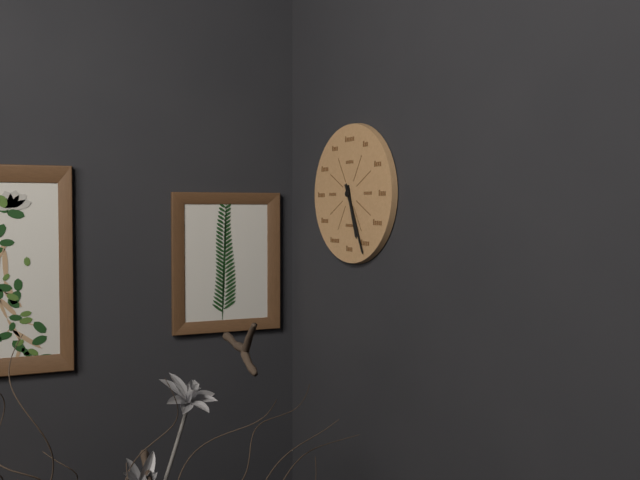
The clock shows 5.26
